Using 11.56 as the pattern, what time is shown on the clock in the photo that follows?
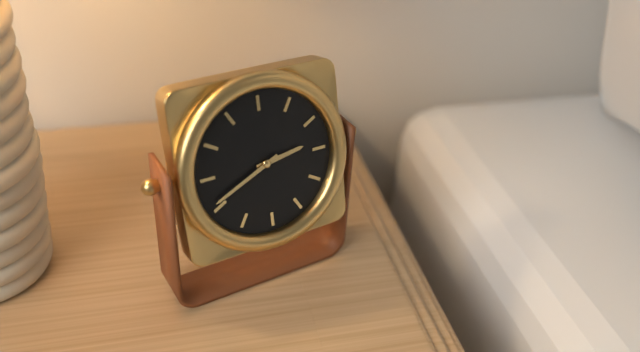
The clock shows 2.41
